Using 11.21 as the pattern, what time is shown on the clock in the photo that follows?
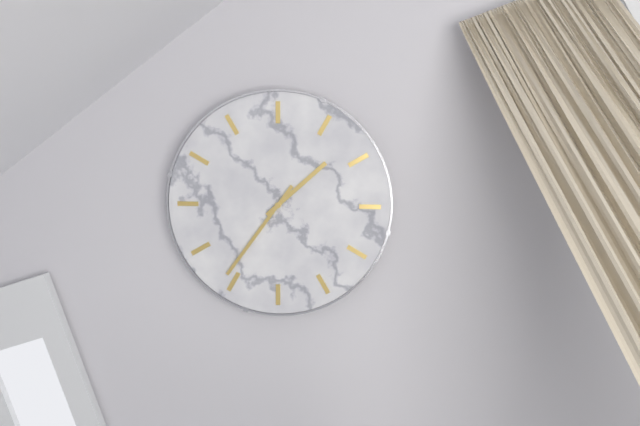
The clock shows 1.36
